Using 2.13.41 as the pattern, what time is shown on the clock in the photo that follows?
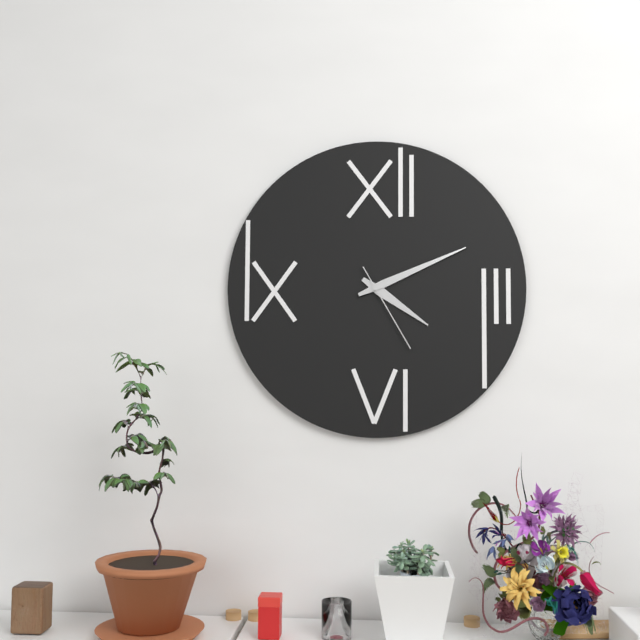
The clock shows 4.11.25
